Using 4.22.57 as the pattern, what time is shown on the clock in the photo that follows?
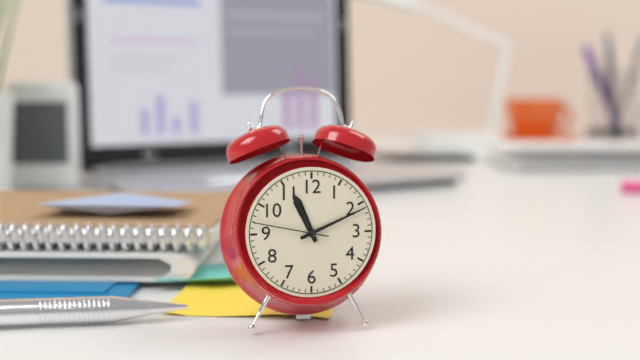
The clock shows 11.11.47
